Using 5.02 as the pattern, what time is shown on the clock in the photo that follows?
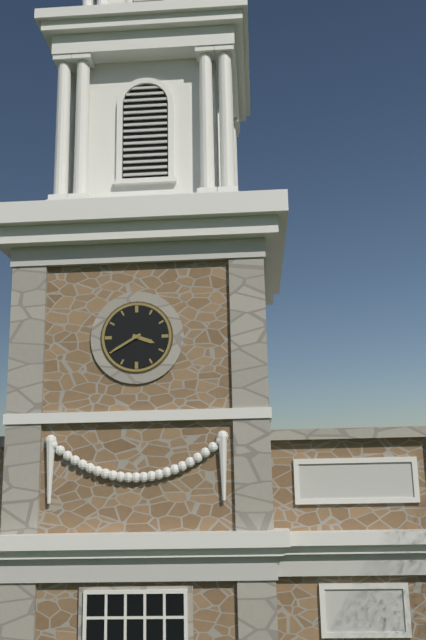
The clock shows 3.40
